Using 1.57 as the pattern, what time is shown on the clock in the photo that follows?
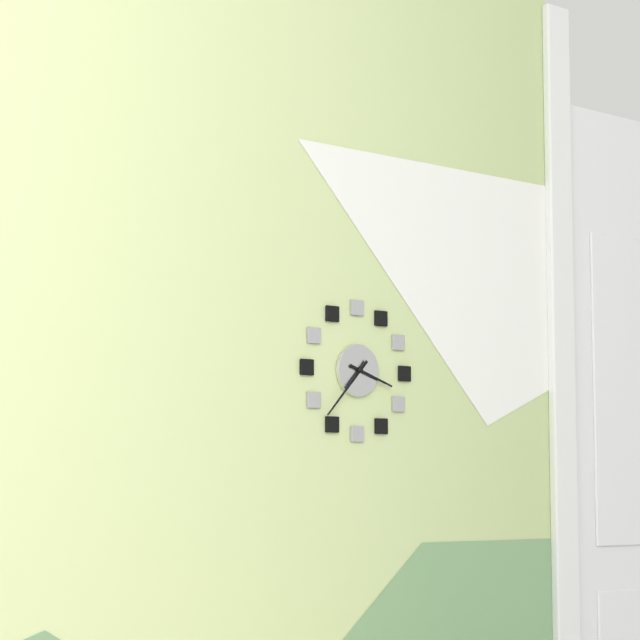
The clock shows 3.37
